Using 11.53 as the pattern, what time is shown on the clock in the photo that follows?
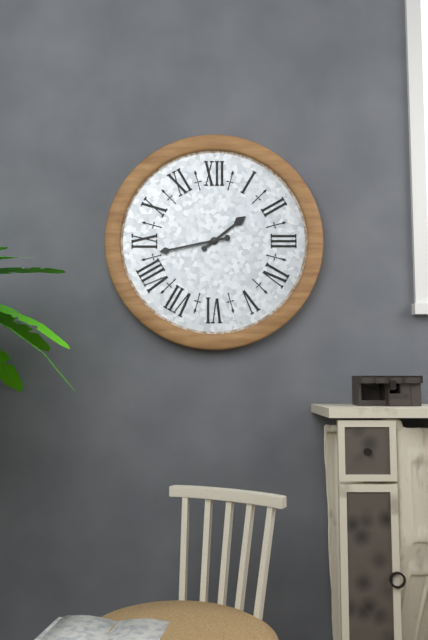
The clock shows 1.43
